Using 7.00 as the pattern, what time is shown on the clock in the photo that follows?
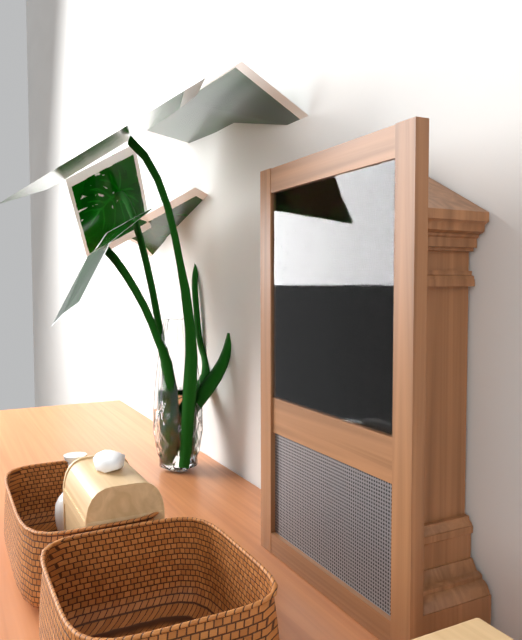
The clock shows 9.24
